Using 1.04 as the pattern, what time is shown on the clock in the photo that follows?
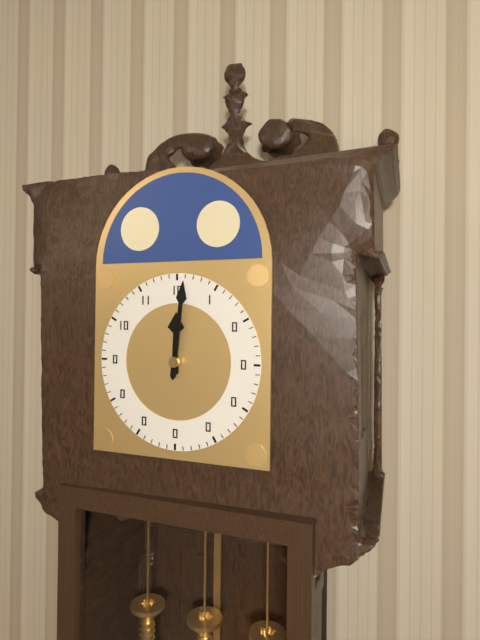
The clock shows 12.01
